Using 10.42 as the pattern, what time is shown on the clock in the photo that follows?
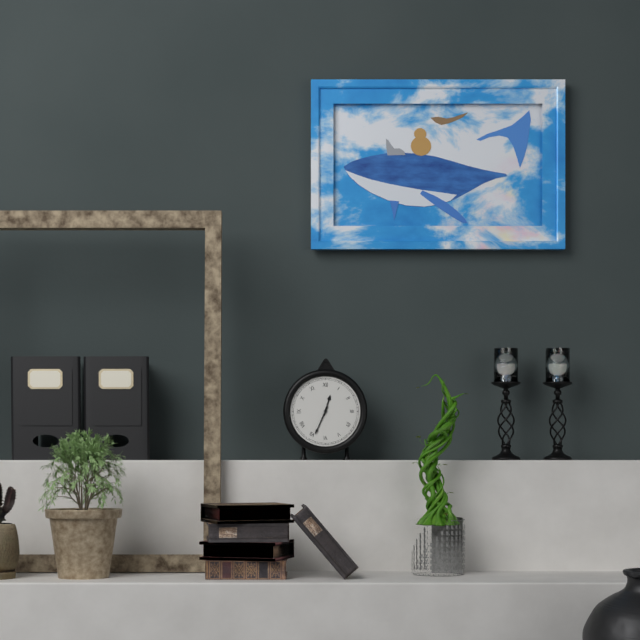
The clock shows 12.34
